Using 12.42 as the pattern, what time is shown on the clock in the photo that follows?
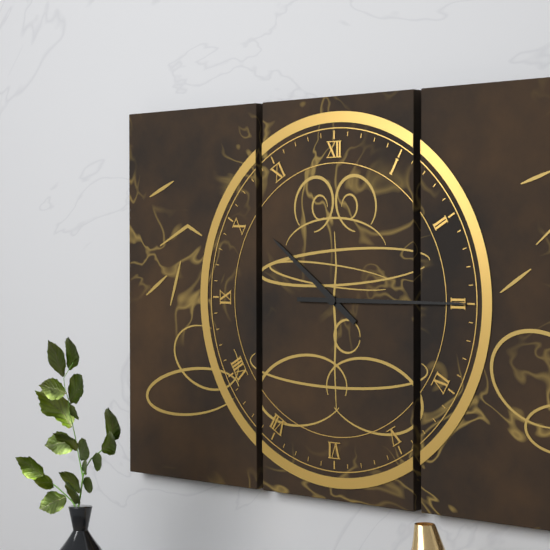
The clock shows 10.15
